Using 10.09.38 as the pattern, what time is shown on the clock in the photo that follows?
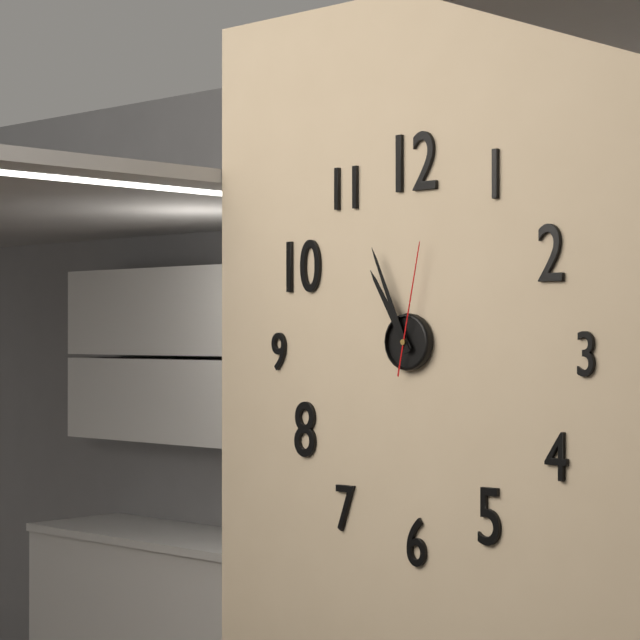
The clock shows 10.56.02
